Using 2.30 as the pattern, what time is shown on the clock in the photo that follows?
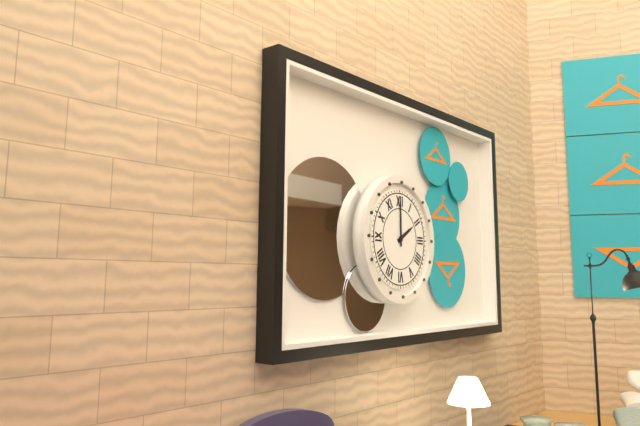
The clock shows 2.00
